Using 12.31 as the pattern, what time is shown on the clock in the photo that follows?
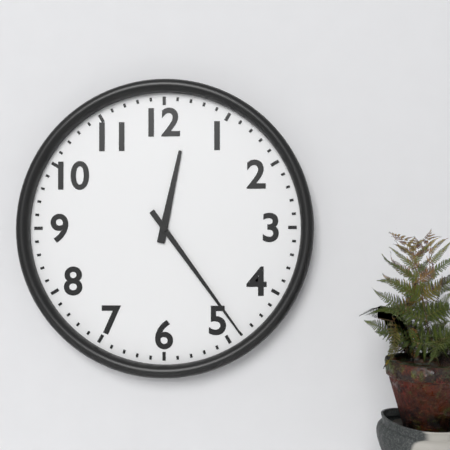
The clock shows 12.24
